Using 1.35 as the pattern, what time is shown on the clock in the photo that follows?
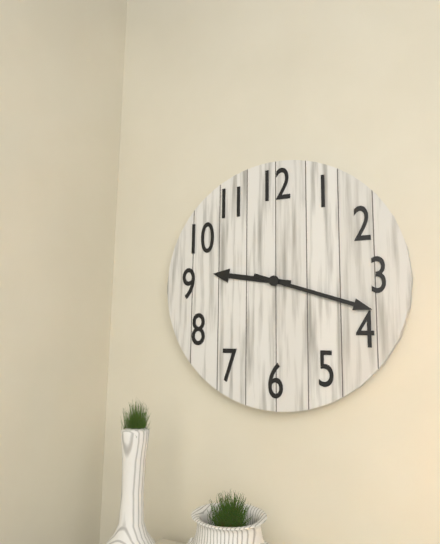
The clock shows 9.18
